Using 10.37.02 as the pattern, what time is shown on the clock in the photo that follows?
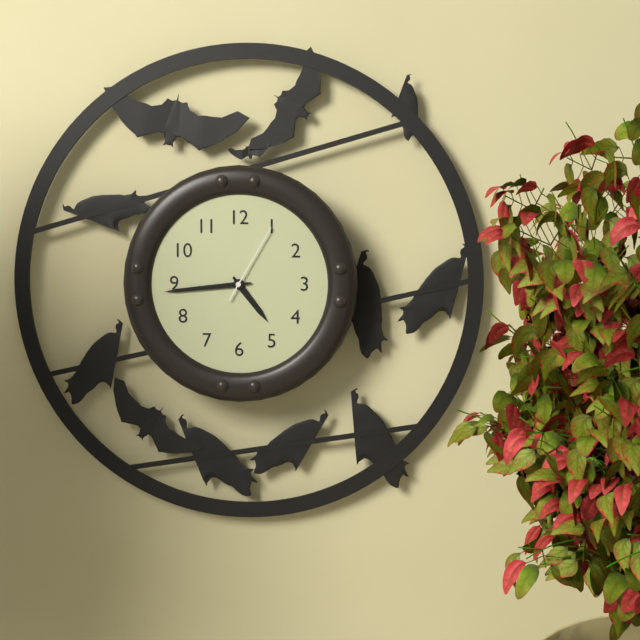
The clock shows 4.44.05
